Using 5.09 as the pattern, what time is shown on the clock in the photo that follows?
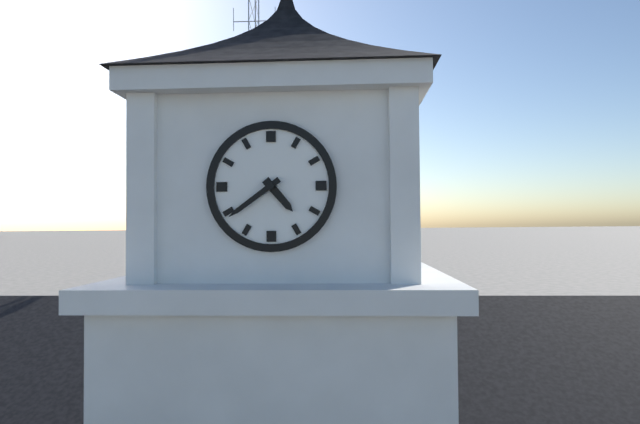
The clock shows 4.39
